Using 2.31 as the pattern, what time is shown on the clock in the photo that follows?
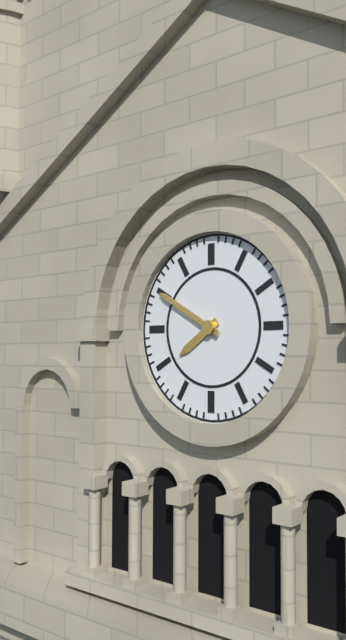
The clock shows 7.50
